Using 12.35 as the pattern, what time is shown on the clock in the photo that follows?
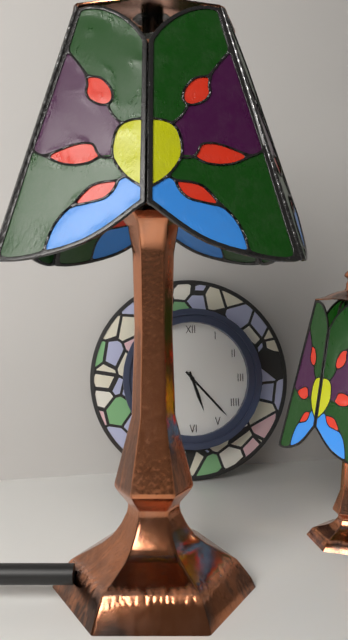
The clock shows 5.23
